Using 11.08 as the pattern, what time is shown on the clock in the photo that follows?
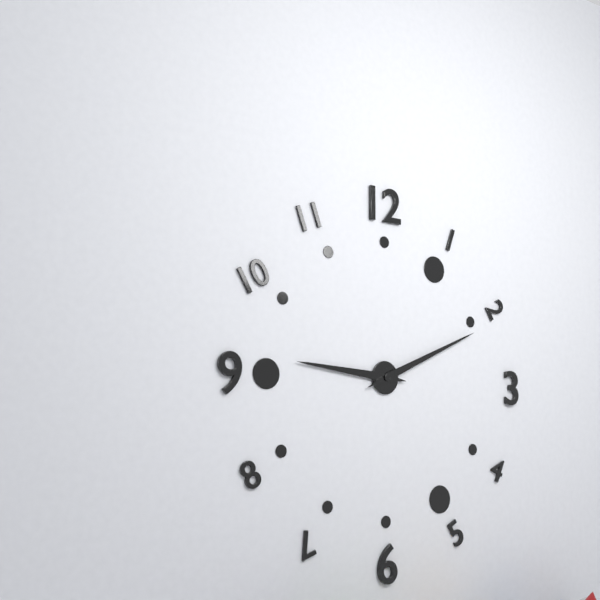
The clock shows 9.11
